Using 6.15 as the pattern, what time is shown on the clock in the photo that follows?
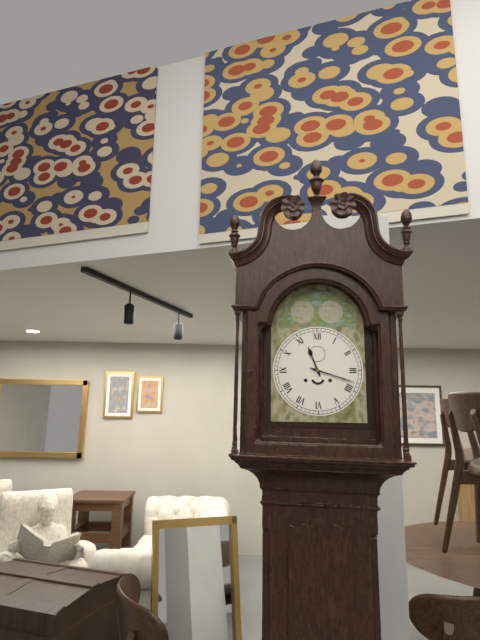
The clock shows 11.18
